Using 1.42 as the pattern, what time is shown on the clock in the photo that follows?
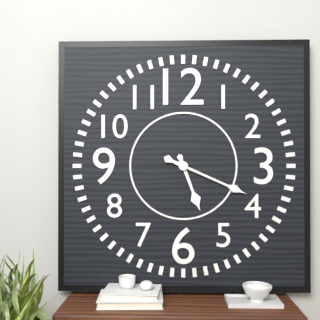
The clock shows 5.19
